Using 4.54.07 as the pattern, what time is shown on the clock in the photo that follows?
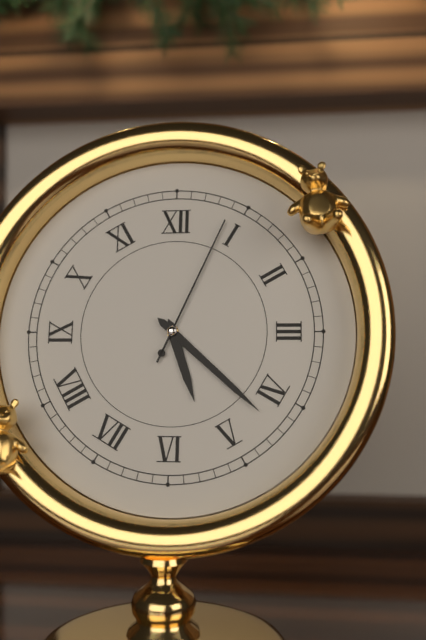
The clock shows 5.22.04
